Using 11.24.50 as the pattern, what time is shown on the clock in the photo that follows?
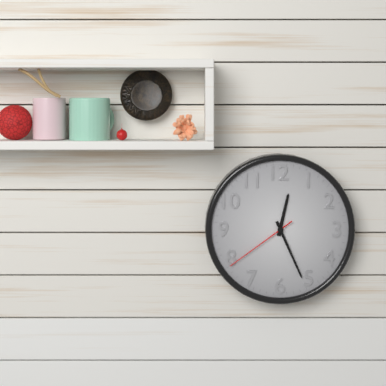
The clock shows 12.26.39
